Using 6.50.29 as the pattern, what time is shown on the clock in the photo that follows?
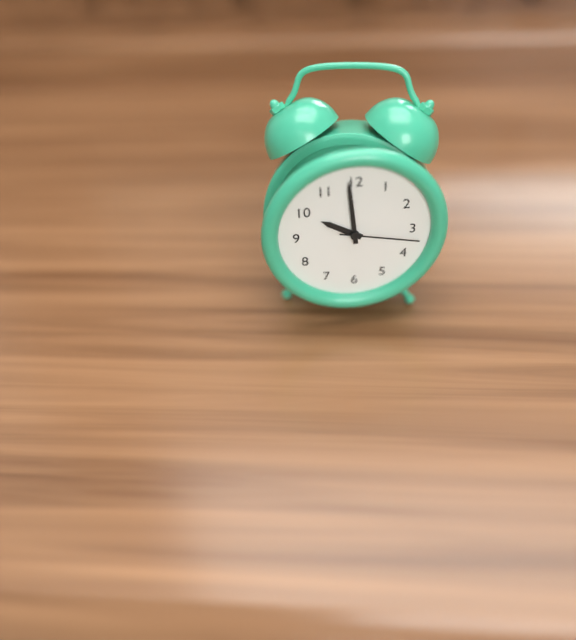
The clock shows 9.59.17
